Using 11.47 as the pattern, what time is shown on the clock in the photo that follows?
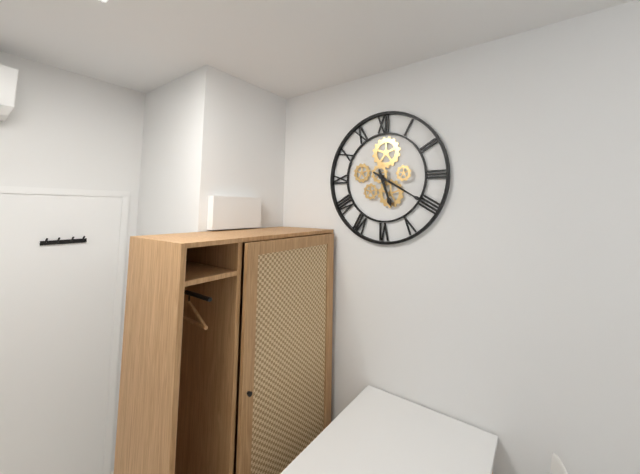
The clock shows 5.20
